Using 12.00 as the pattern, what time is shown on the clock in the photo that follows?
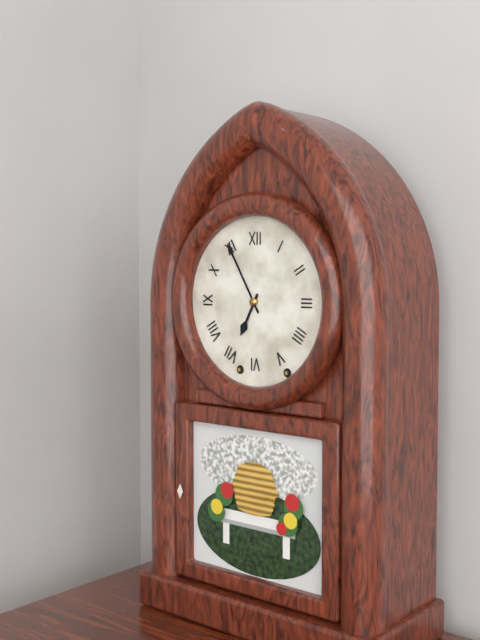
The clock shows 6.55
